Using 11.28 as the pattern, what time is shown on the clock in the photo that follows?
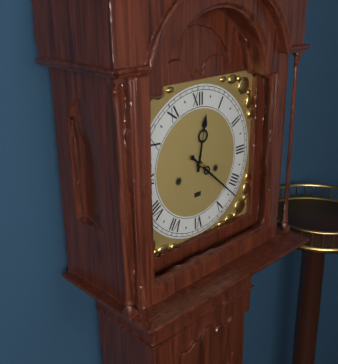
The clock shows 12.22
